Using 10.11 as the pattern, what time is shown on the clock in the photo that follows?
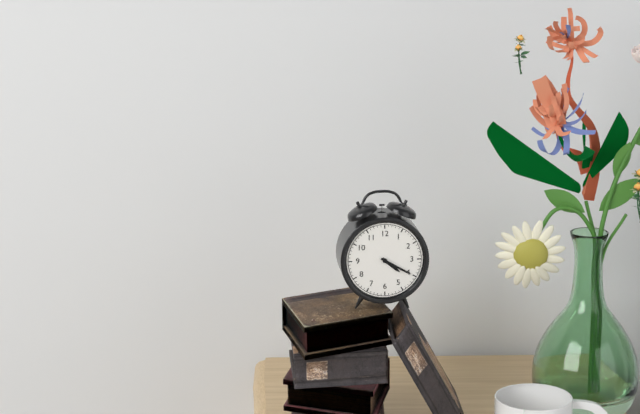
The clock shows 4.20
